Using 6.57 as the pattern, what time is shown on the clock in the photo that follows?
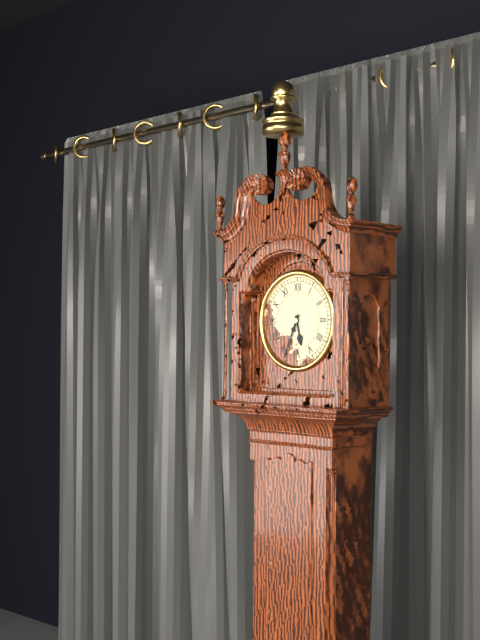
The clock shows 5.34
